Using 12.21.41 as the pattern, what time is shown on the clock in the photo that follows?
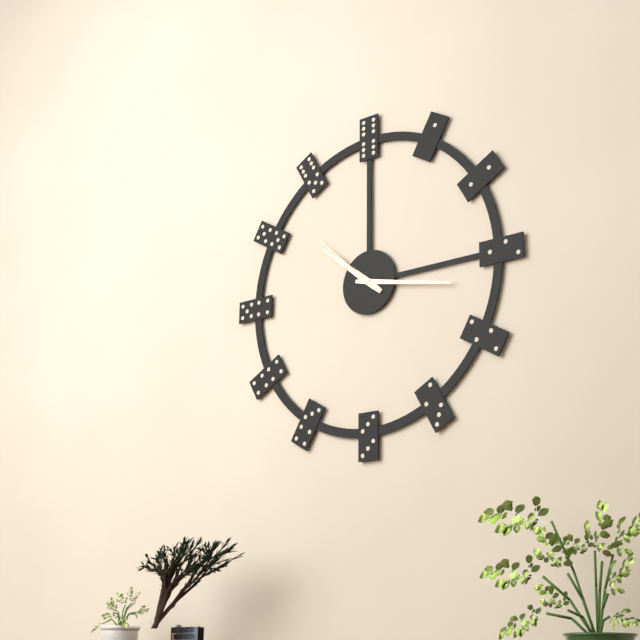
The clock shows 10.17.52
